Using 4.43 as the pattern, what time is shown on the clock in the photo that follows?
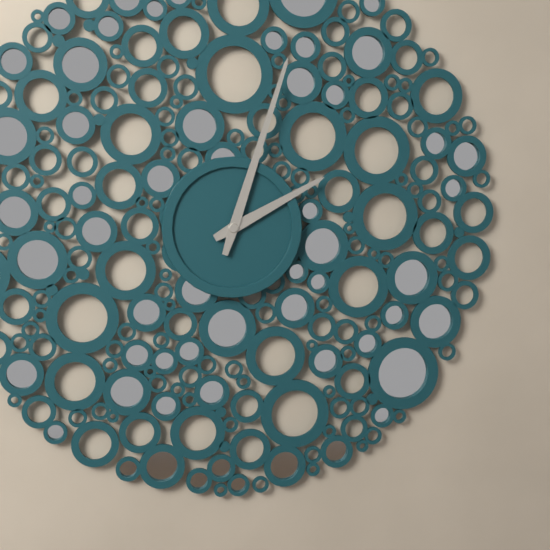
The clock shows 2.03
